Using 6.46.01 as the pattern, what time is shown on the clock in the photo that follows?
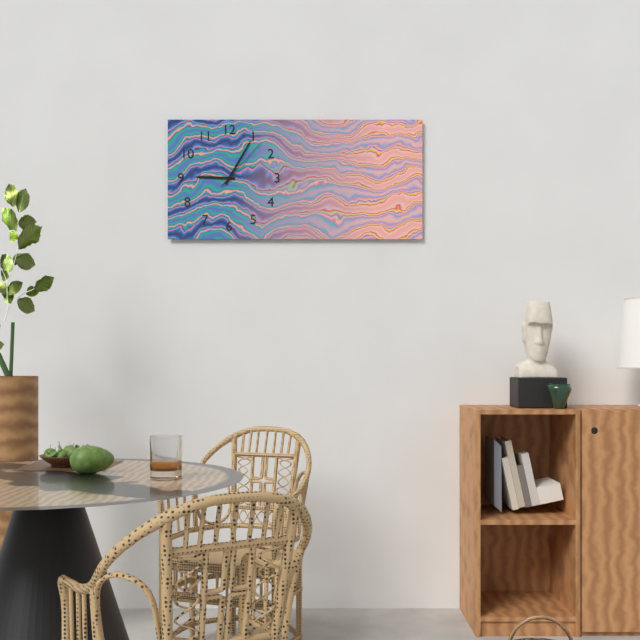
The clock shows 9.05.07
